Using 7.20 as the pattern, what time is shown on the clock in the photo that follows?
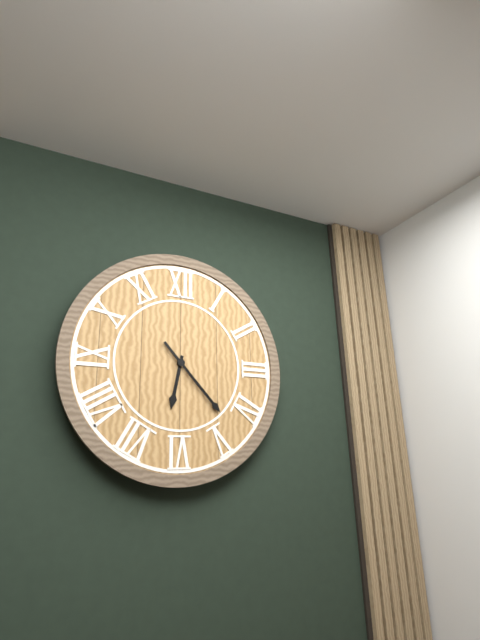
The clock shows 6.23
